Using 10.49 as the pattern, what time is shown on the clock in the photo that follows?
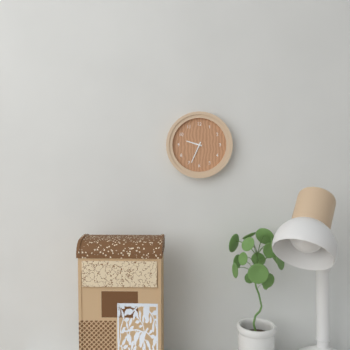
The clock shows 9.34
